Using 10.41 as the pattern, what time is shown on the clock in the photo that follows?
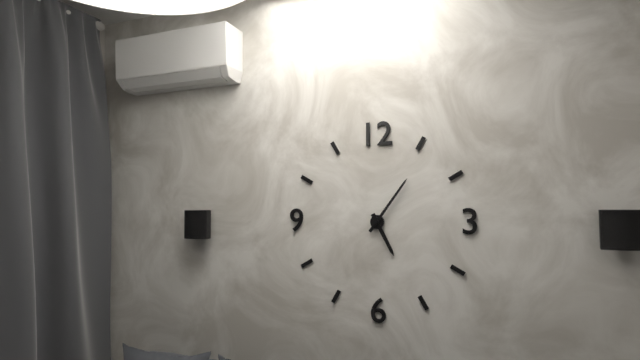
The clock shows 5.06
